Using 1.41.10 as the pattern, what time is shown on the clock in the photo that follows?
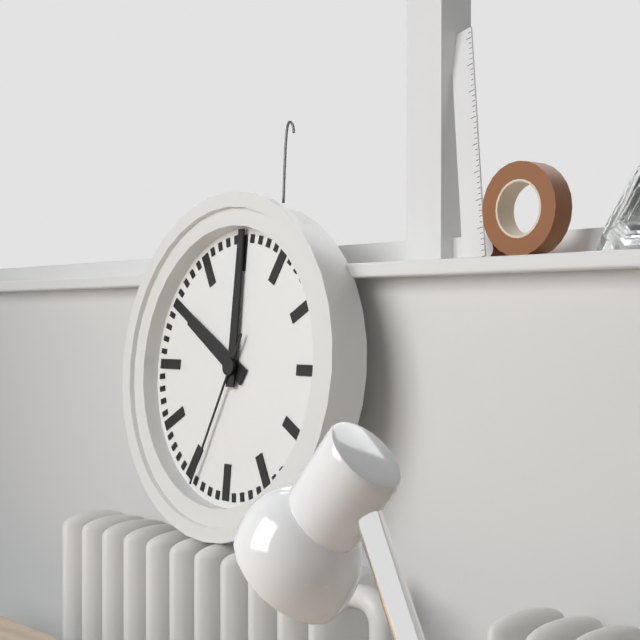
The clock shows 10.00.34
